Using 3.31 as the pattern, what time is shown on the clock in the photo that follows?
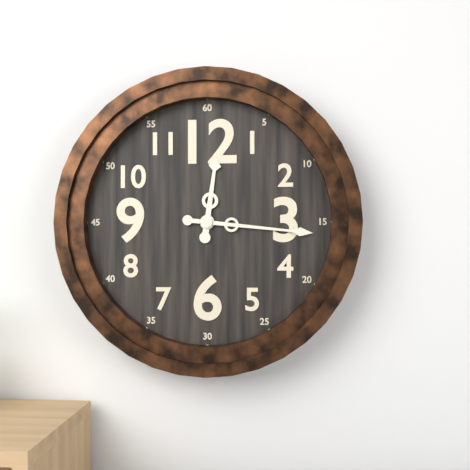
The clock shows 12.16
